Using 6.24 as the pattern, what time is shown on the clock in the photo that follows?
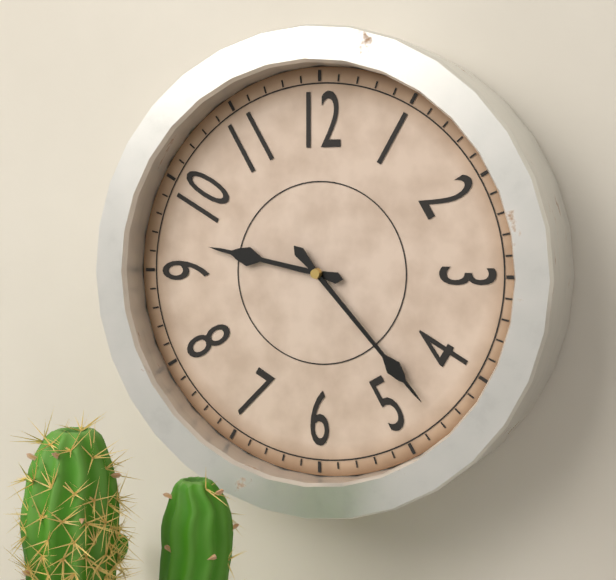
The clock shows 9.23
